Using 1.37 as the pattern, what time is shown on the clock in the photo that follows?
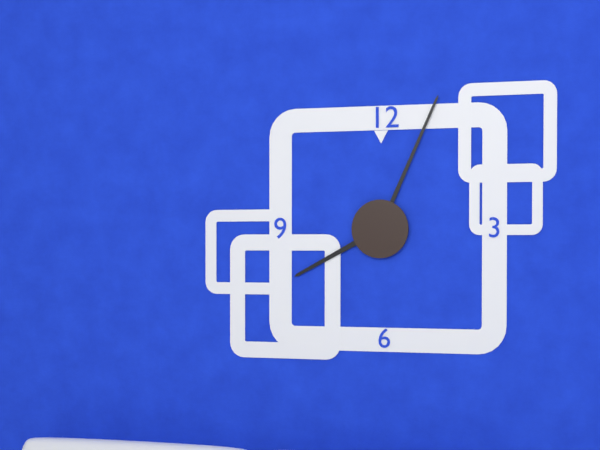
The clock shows 8.04
